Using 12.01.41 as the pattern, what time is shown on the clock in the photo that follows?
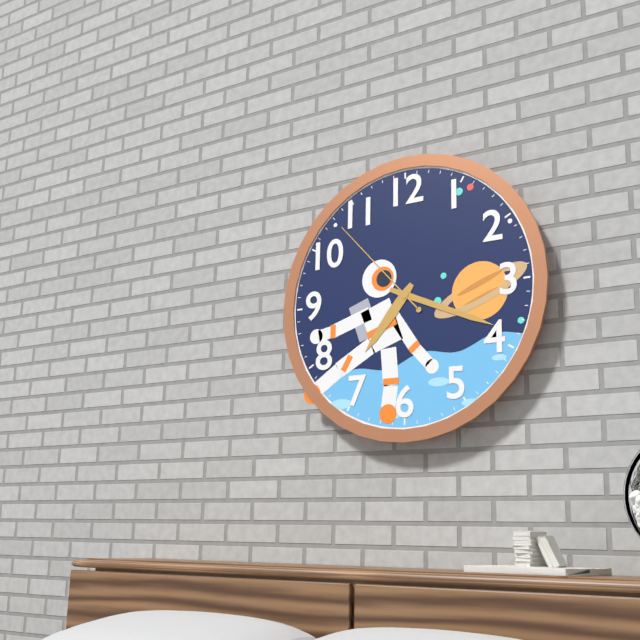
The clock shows 7.19.53
